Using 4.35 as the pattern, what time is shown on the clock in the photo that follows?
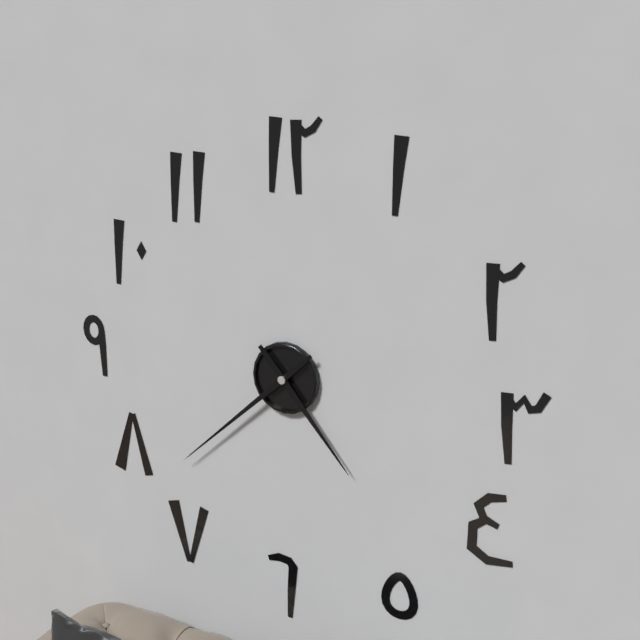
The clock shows 4.38
